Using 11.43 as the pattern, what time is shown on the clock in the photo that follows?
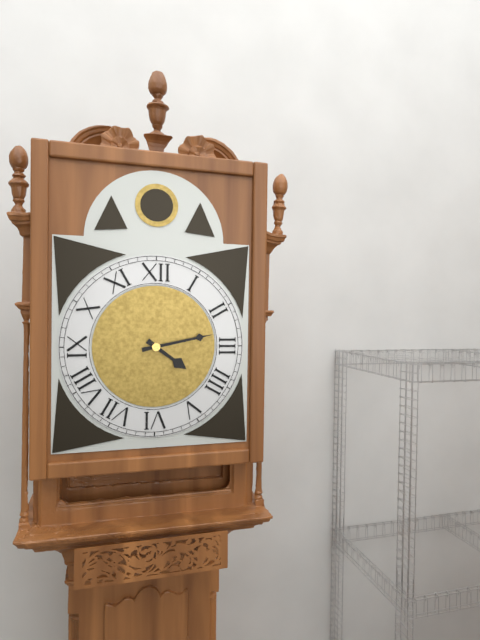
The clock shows 4.13
